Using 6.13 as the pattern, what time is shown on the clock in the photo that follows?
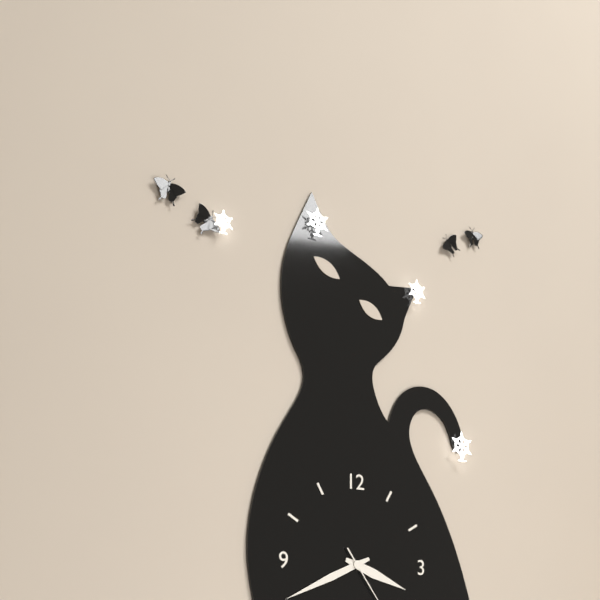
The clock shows 3.41
